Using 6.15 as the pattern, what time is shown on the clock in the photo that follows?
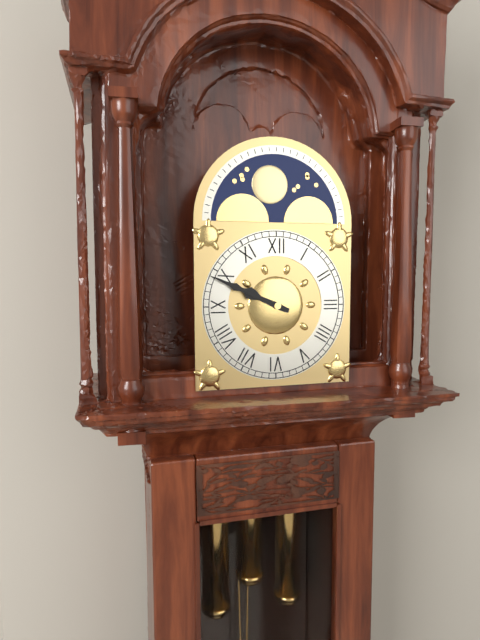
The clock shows 9.49
